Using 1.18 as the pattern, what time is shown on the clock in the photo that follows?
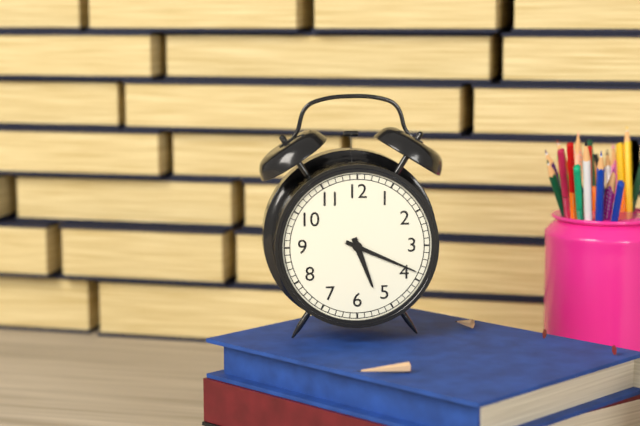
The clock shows 5.19
